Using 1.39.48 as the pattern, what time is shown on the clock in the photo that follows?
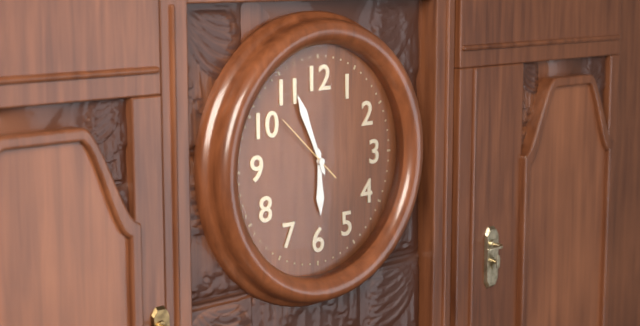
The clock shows 5.56.52
